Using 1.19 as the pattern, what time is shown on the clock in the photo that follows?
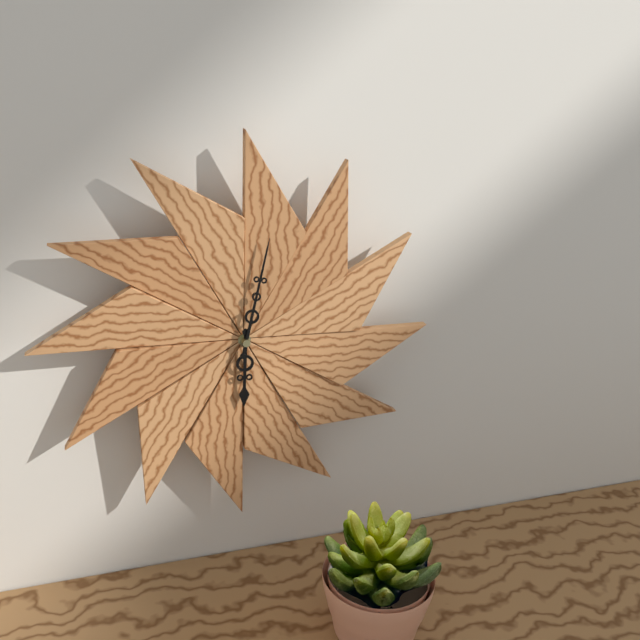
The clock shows 6.02
